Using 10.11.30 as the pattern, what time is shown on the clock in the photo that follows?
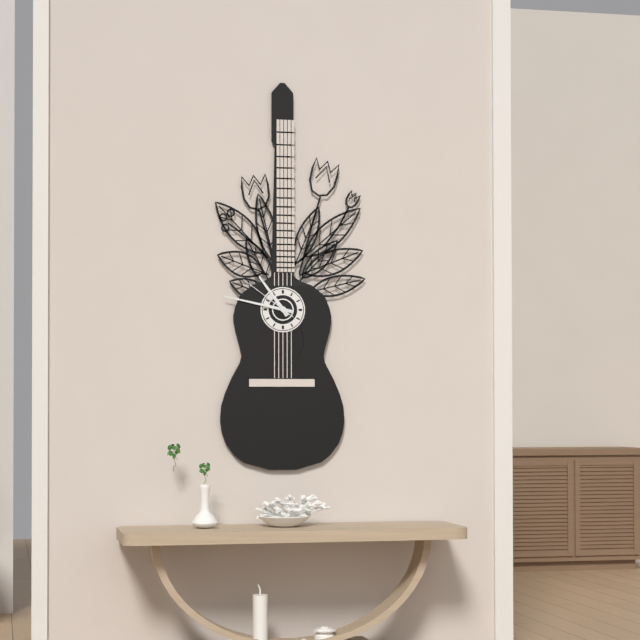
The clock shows 10.47.51
